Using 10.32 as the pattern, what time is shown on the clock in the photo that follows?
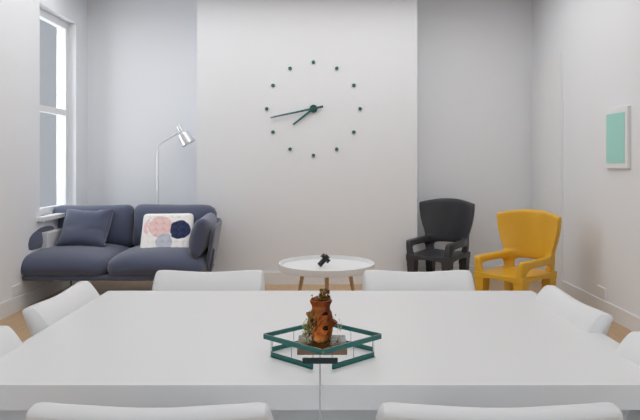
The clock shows 7.43
